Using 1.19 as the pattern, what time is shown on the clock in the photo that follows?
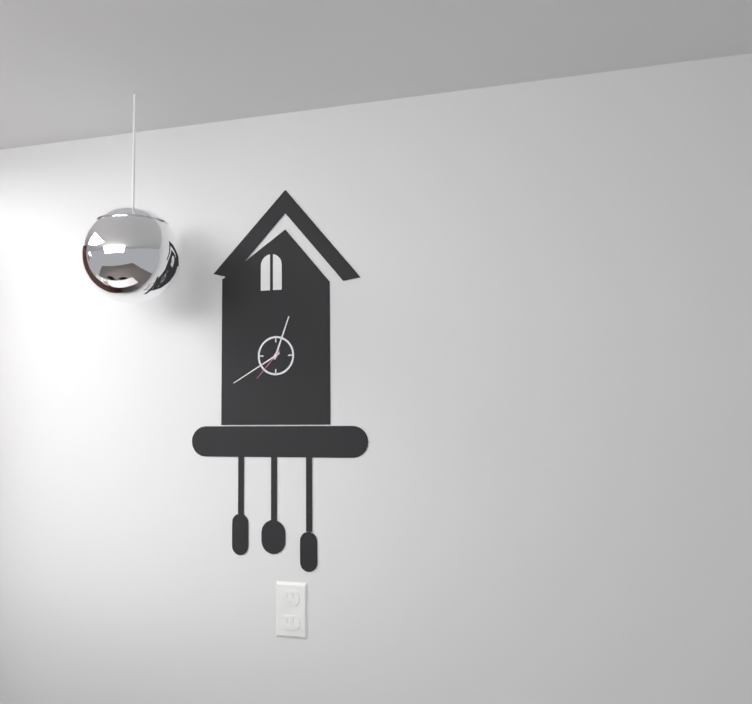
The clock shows 12.40
